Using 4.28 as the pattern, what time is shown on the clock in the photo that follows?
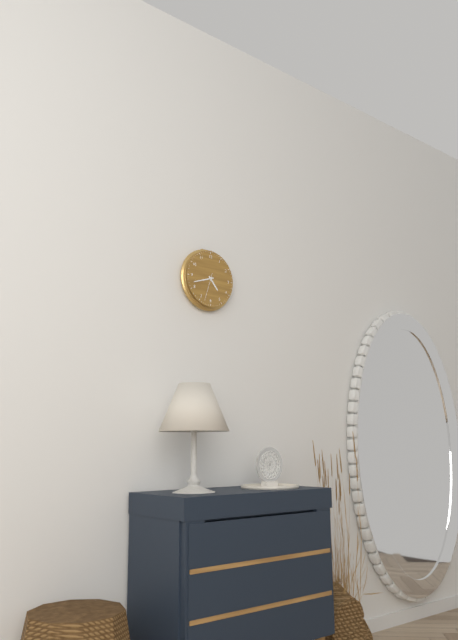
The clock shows 4.42
